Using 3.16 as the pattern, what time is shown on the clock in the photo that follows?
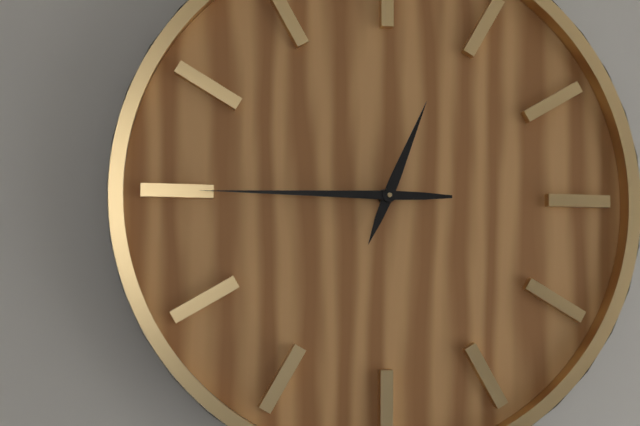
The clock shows 12.45
